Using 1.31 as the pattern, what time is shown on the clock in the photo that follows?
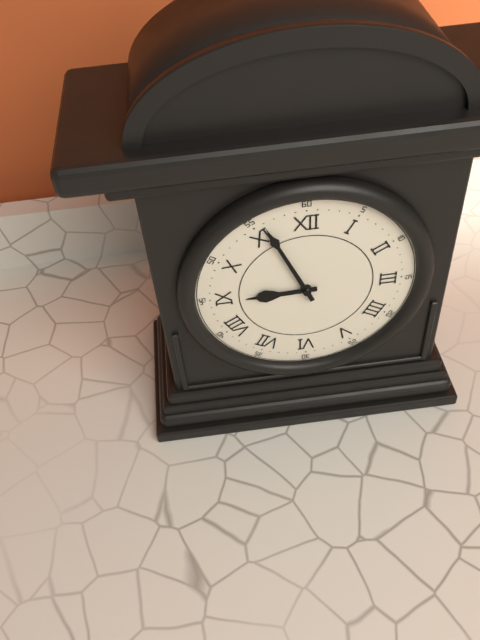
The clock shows 8.56
